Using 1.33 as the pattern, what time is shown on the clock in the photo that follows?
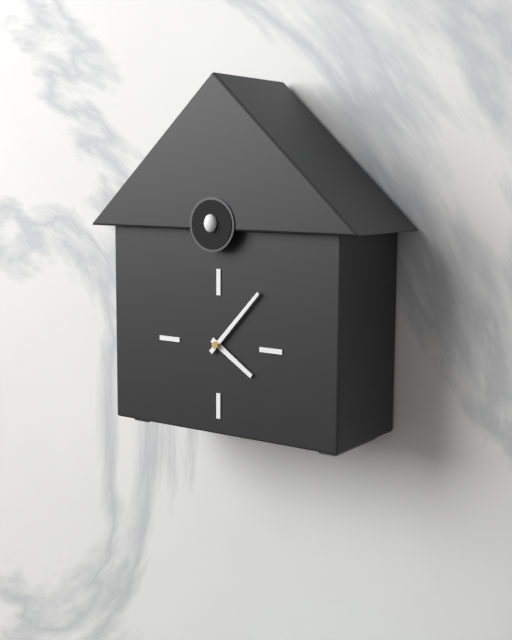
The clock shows 4.07
